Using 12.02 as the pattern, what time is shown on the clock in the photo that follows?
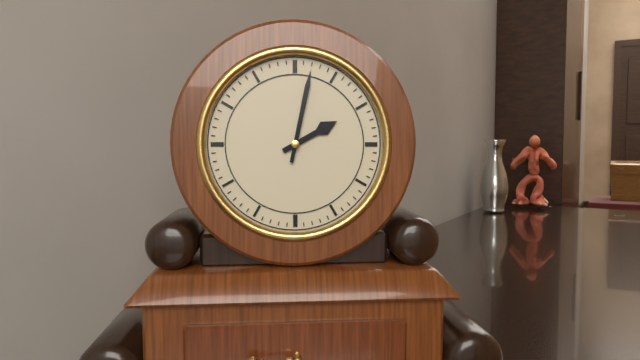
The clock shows 2.02
